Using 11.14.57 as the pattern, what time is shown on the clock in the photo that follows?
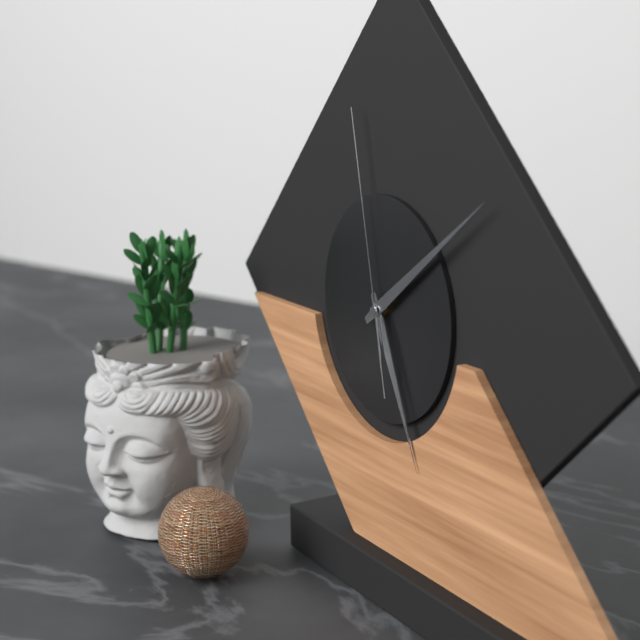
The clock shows 5.09.58
